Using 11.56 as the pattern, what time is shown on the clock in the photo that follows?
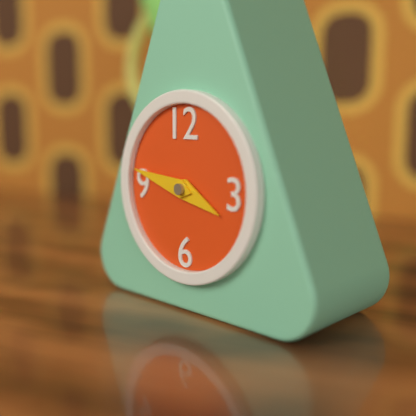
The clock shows 3.47
